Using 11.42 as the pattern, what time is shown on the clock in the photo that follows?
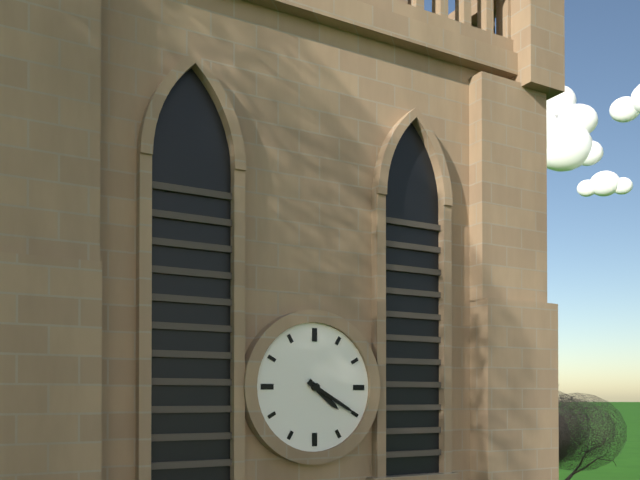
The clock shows 4.20
